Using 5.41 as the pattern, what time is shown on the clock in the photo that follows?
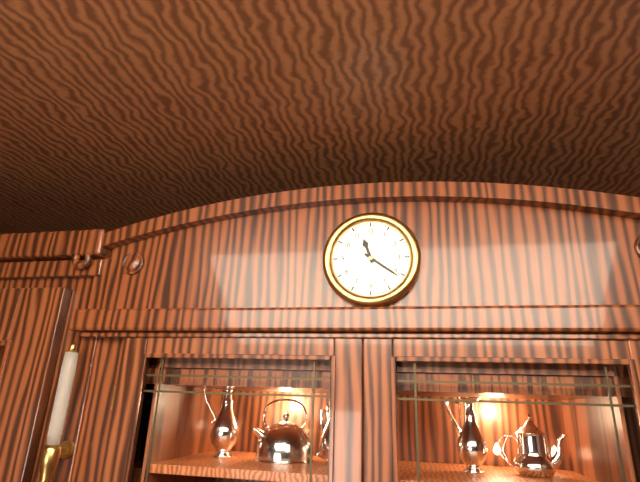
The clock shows 11.21
